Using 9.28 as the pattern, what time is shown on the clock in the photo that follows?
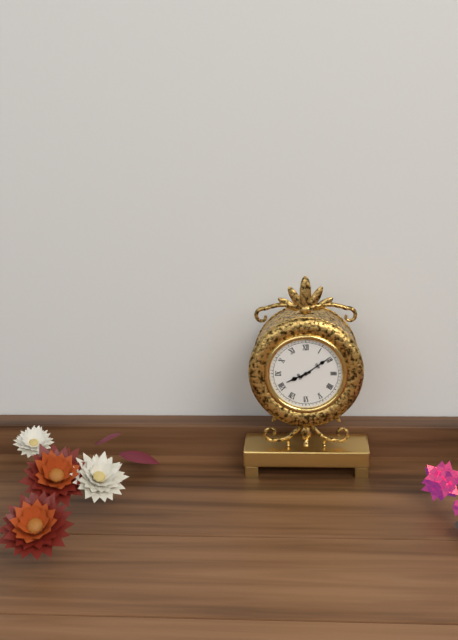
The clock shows 8.09
